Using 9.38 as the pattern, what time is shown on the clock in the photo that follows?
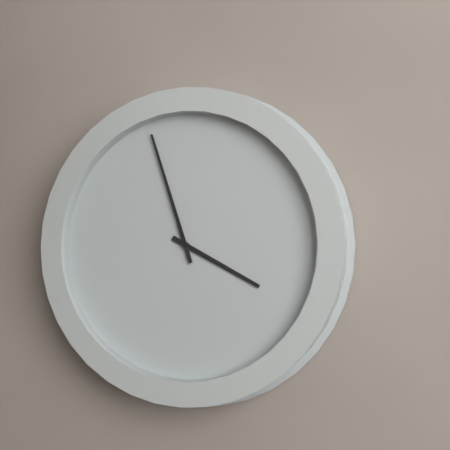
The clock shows 3.57
